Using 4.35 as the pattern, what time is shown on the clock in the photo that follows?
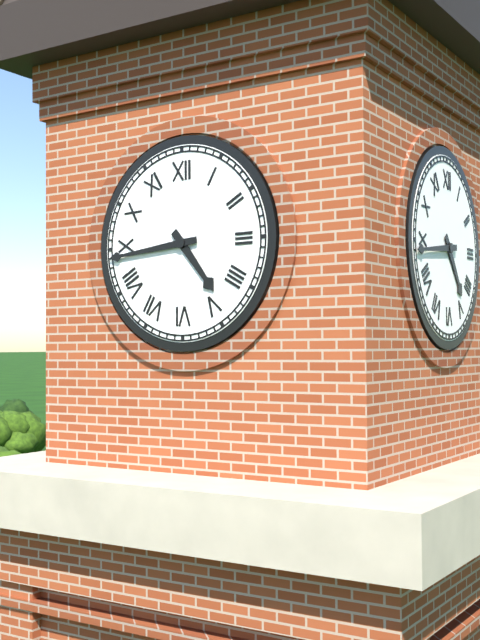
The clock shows 4.44
